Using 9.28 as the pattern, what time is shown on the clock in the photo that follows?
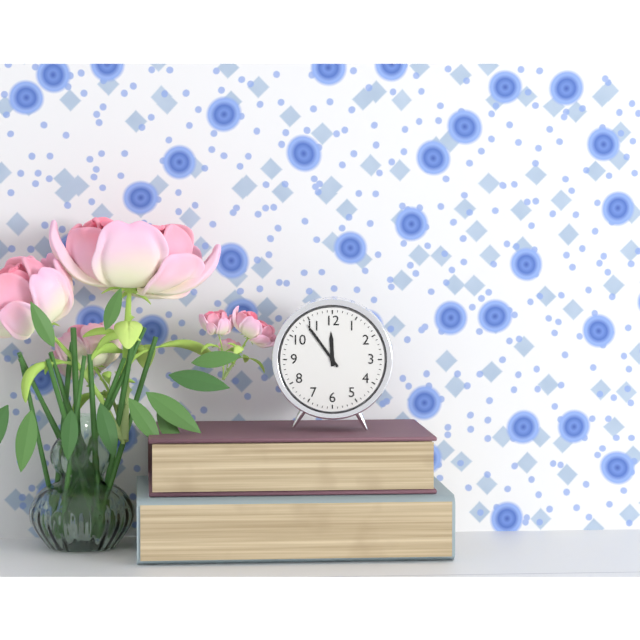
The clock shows 11.54
